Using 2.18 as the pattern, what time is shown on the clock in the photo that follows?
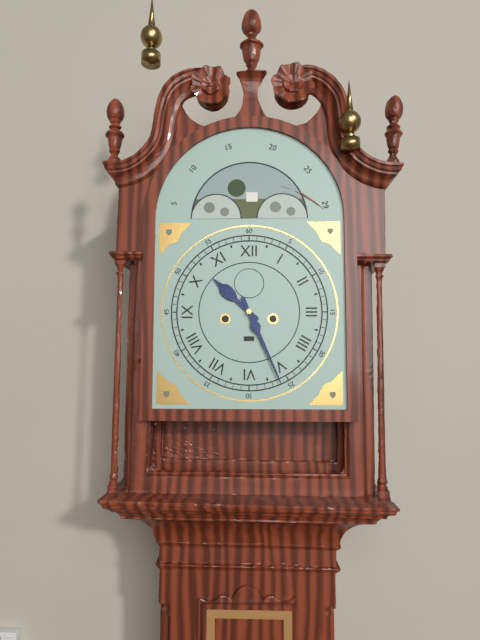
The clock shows 10.26
